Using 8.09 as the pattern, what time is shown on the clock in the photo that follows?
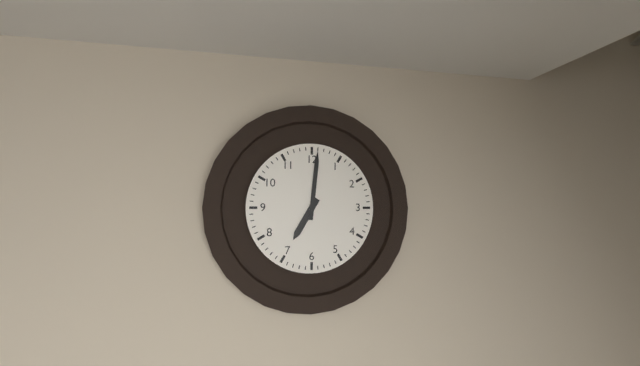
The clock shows 7.01
